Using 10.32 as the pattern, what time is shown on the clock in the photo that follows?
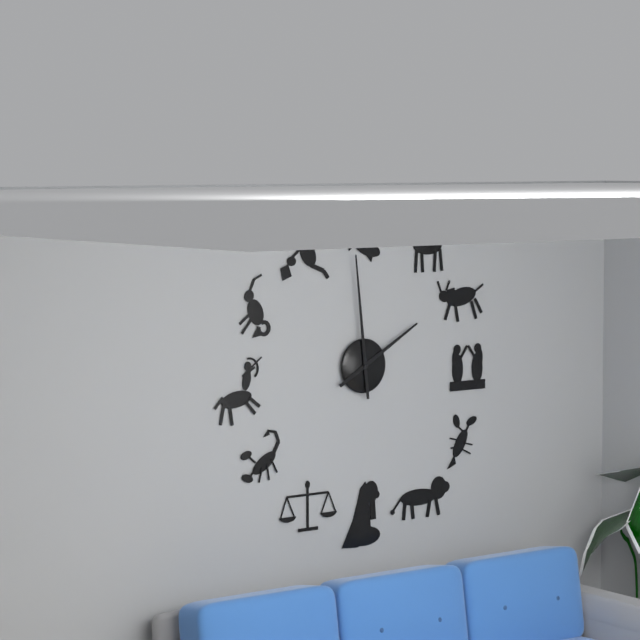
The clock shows 1.59
